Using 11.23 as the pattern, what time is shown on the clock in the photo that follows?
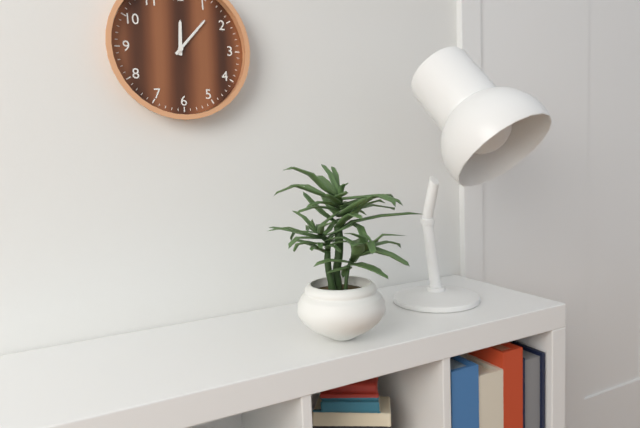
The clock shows 12.07
